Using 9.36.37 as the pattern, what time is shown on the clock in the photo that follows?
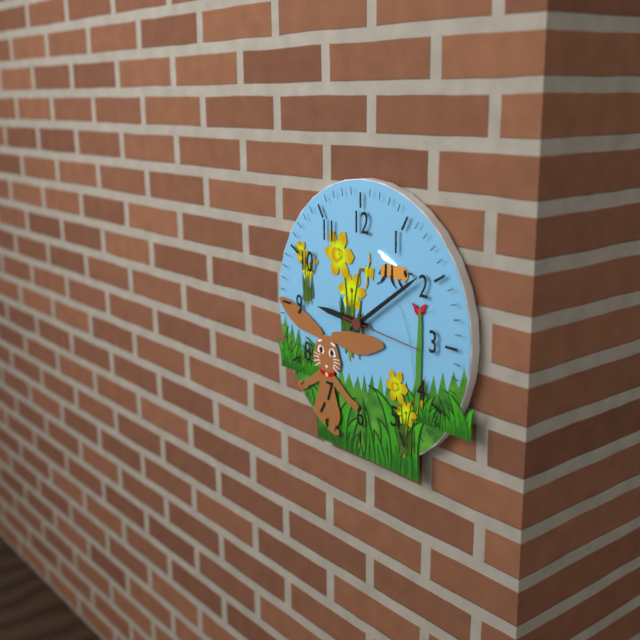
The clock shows 9.09.16
